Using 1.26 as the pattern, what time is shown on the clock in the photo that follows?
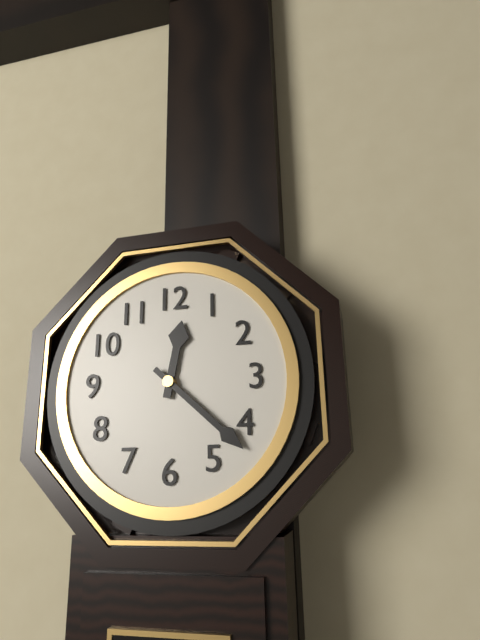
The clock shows 12.22
